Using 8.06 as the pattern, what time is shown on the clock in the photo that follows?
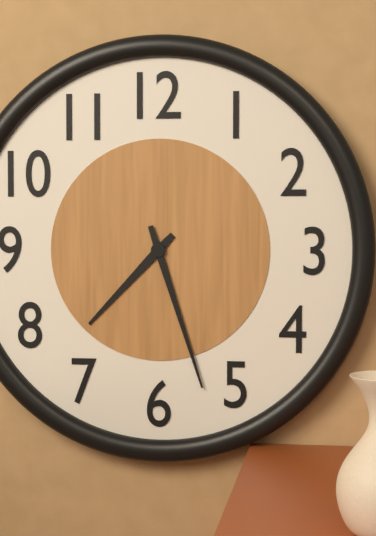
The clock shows 7.27
